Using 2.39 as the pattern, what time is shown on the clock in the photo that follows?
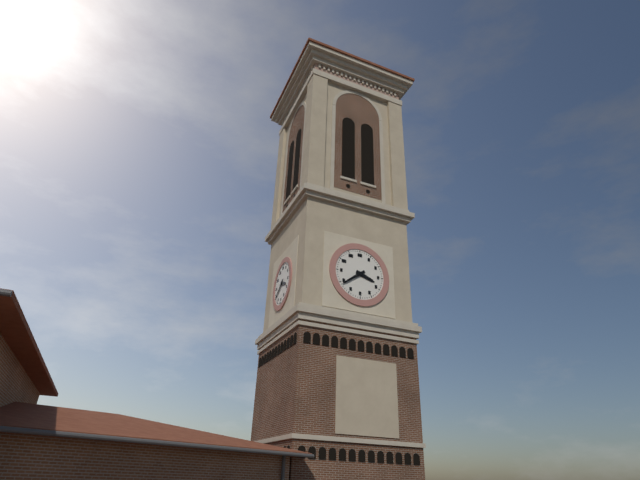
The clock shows 3.39
